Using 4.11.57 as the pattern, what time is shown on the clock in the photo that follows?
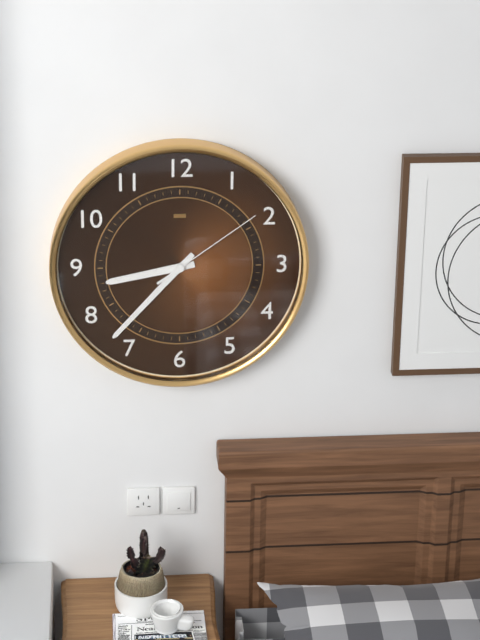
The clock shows 8.37.09
